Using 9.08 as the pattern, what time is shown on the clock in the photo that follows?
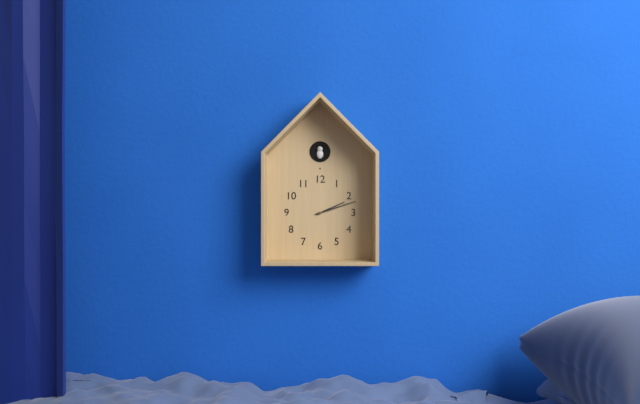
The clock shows 2.12
